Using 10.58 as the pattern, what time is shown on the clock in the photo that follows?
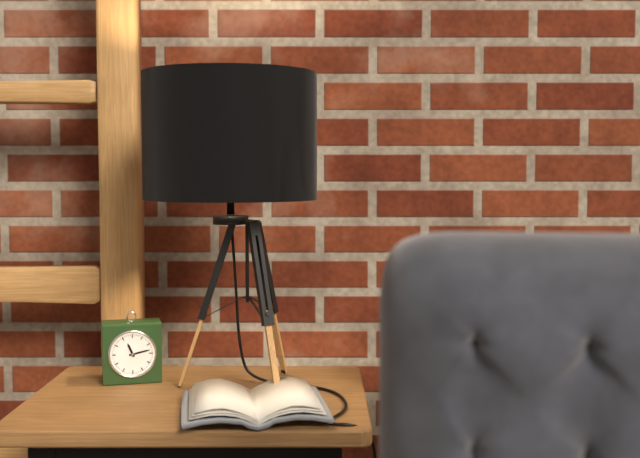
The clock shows 11.13
